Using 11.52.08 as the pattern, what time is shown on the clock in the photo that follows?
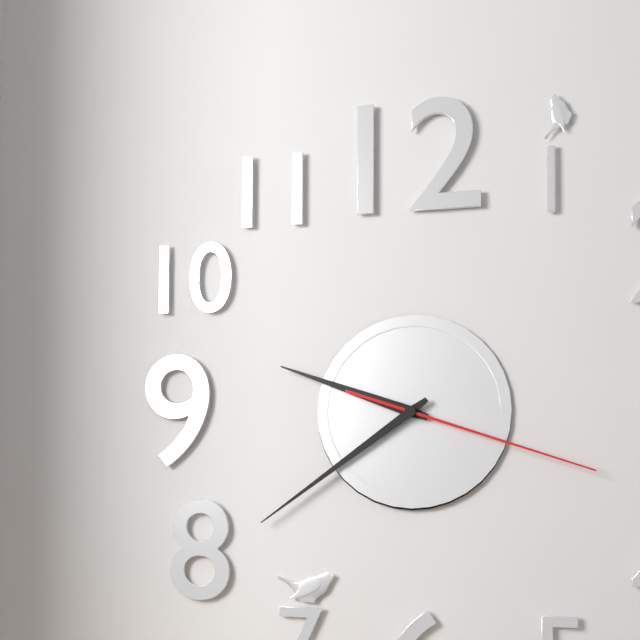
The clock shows 9.39.18
